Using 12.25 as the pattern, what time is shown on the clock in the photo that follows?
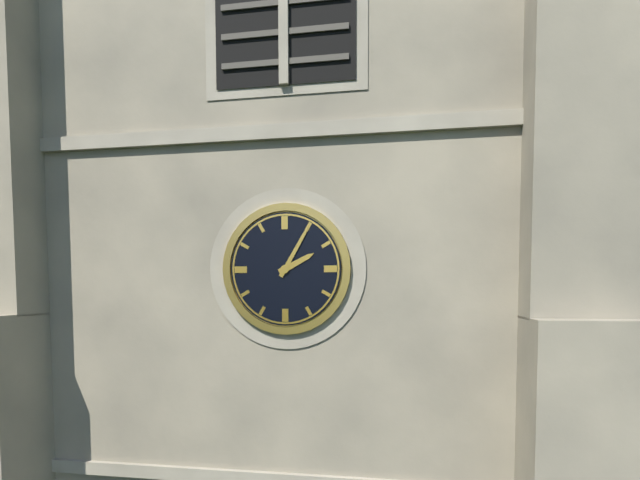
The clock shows 2.05
